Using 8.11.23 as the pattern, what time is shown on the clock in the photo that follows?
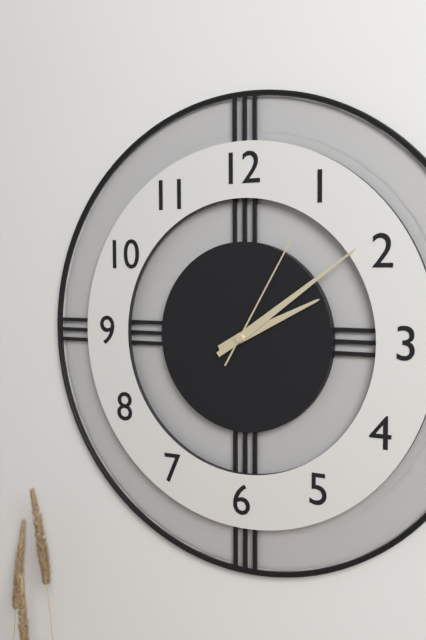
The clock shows 2.09.05
